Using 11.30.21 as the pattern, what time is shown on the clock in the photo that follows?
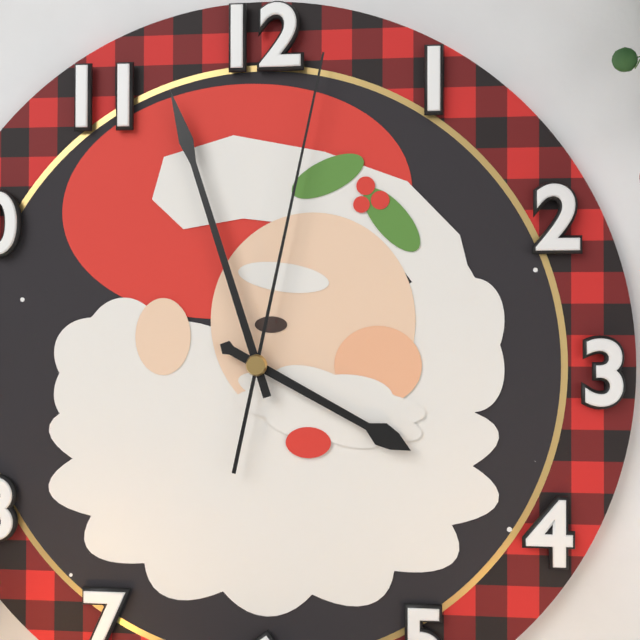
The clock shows 3.57.02
